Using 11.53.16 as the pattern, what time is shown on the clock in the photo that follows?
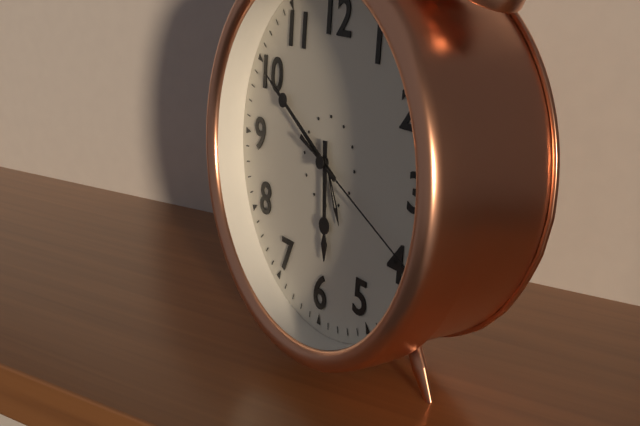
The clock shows 5.50.19
